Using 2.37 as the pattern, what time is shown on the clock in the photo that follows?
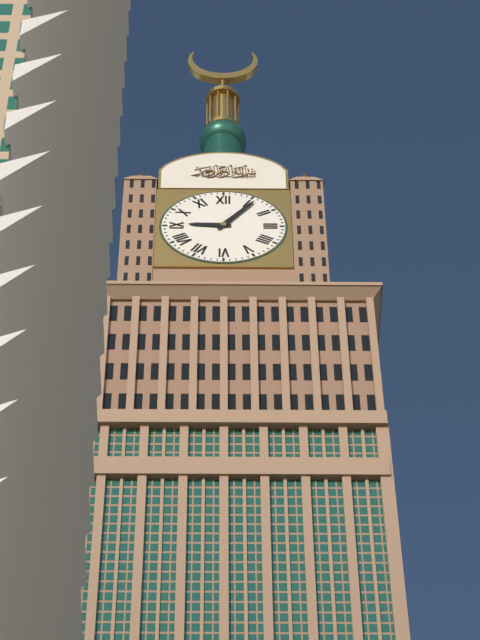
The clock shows 9.06
